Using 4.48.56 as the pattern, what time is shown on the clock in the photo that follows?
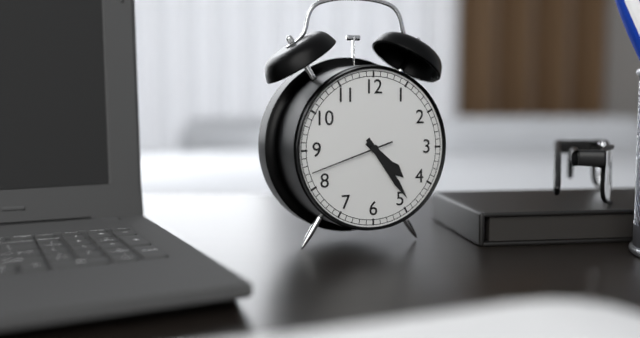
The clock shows 4.24.42
